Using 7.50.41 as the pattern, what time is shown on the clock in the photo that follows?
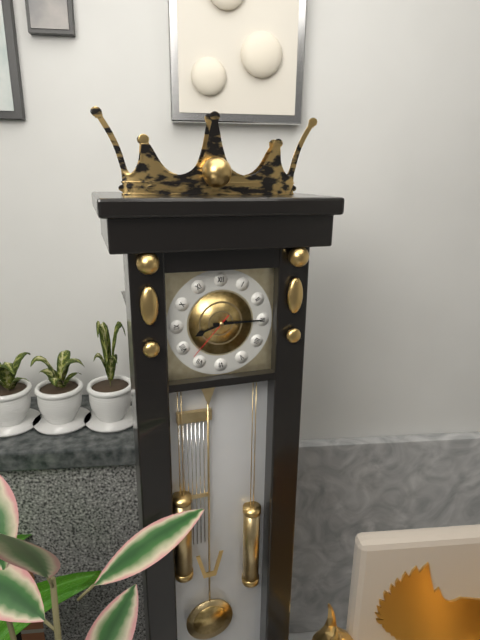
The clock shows 8.15.37
